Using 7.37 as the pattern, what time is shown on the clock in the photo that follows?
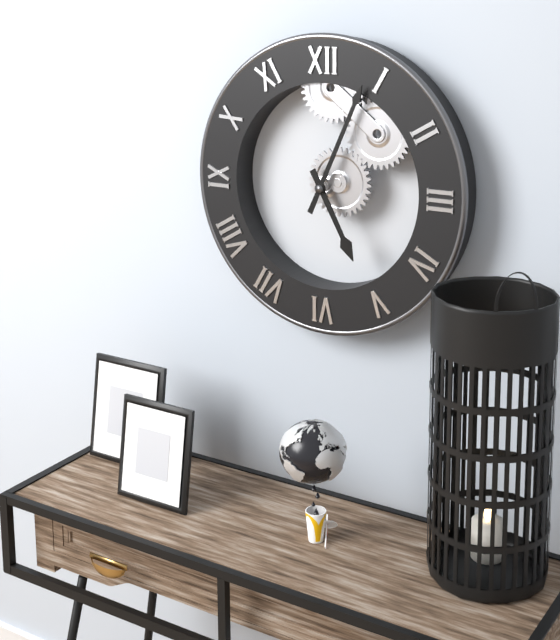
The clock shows 5.04
